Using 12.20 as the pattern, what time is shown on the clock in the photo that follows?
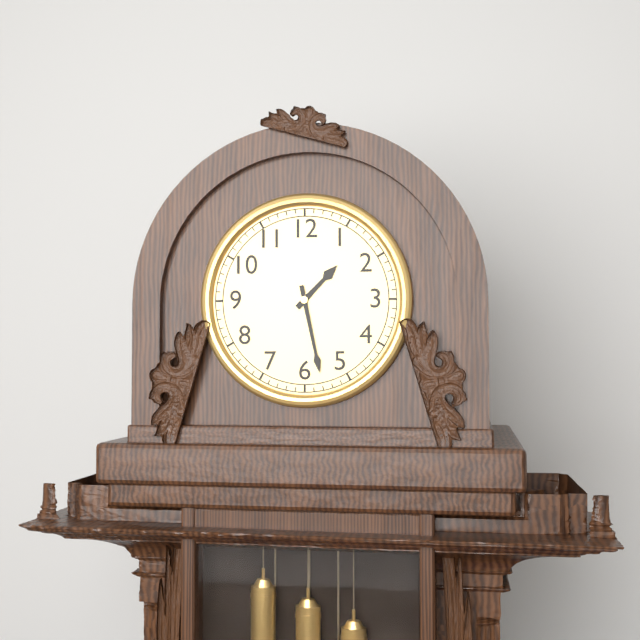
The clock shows 1.28
